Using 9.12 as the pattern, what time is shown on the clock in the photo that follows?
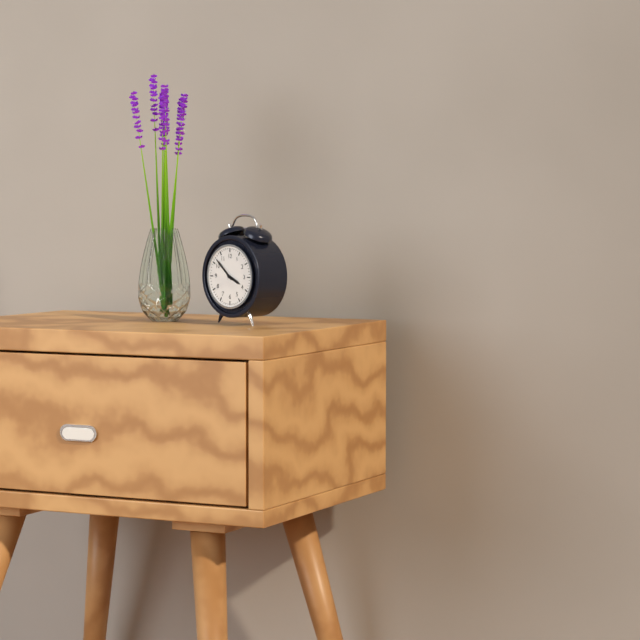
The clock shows 3.52
